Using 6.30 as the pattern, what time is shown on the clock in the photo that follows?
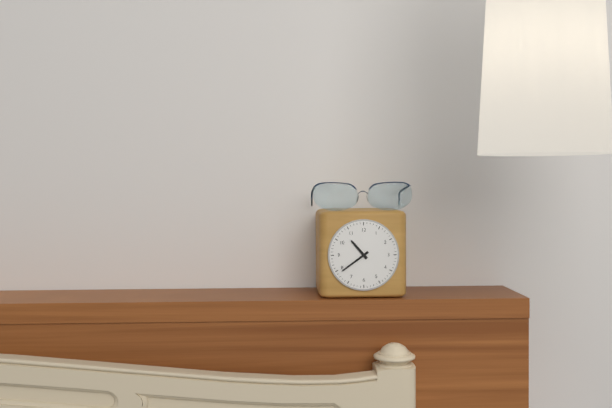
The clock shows 10.39
